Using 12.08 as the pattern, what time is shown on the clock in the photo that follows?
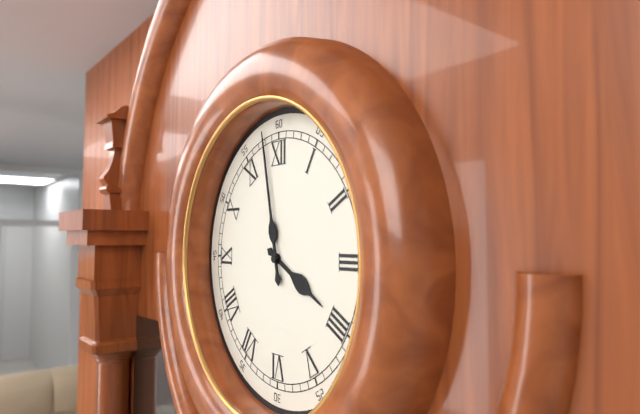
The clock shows 3.58
